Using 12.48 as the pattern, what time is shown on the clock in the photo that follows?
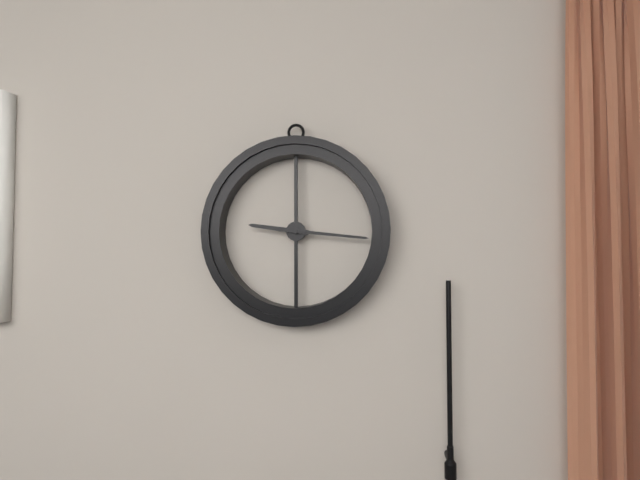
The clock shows 9.16
